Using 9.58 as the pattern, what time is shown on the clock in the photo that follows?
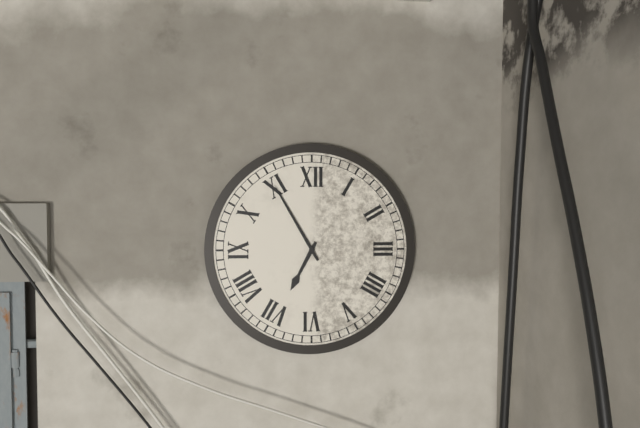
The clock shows 6.55
